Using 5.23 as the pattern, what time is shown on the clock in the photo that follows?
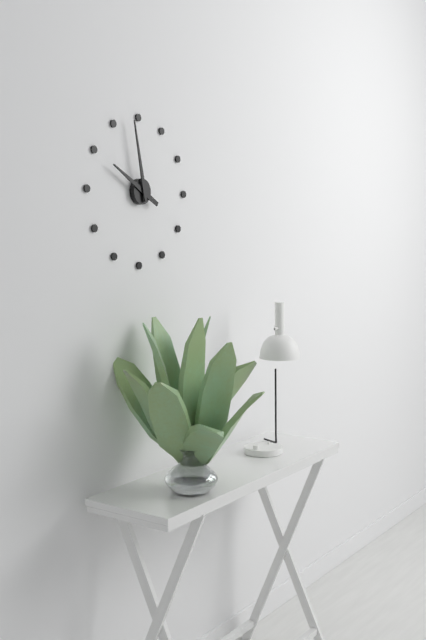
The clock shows 9.58
